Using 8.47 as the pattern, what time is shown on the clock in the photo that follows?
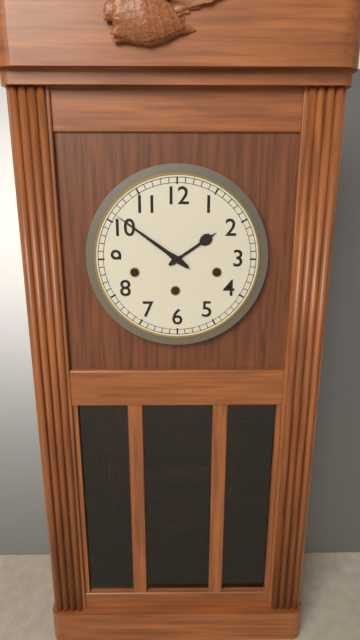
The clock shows 1.51
